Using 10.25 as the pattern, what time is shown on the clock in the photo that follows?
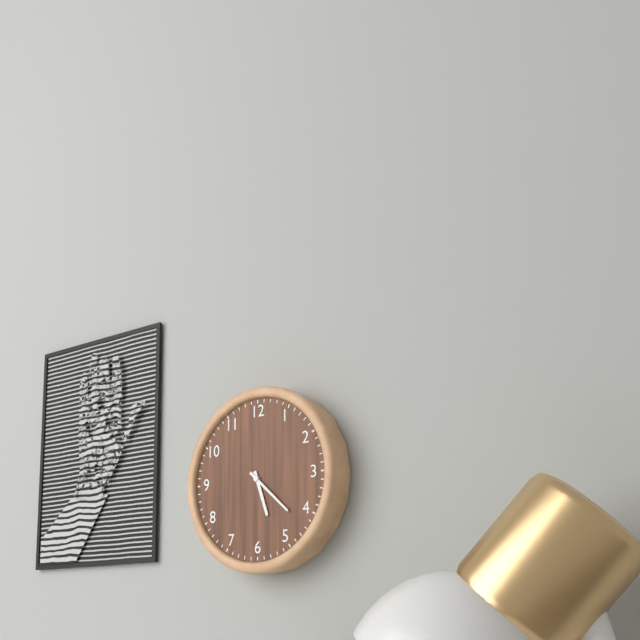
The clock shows 5.22
